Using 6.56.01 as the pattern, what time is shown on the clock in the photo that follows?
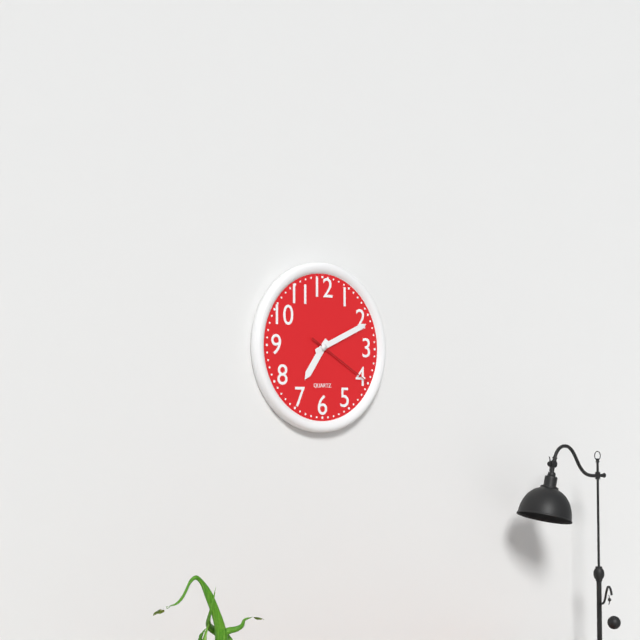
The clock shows 7.11.20
